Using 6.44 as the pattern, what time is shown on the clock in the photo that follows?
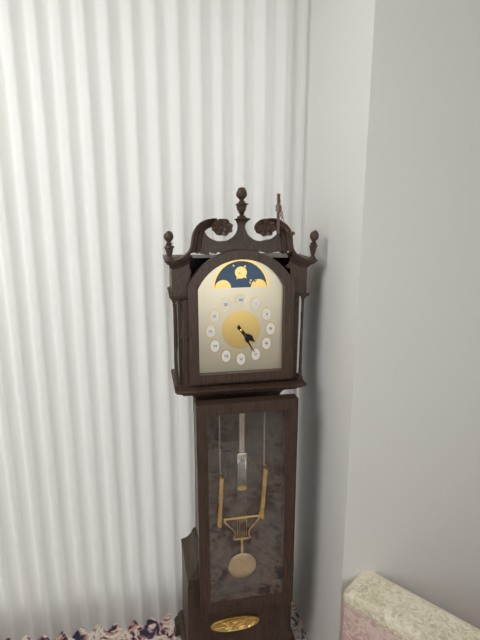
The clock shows 4.25
